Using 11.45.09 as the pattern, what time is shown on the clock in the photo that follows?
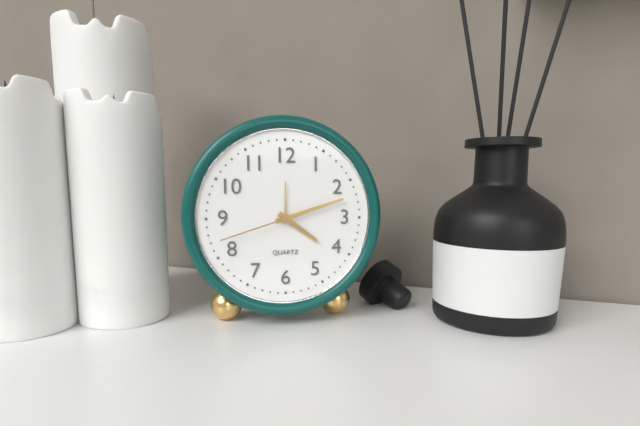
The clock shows 4.12.42
